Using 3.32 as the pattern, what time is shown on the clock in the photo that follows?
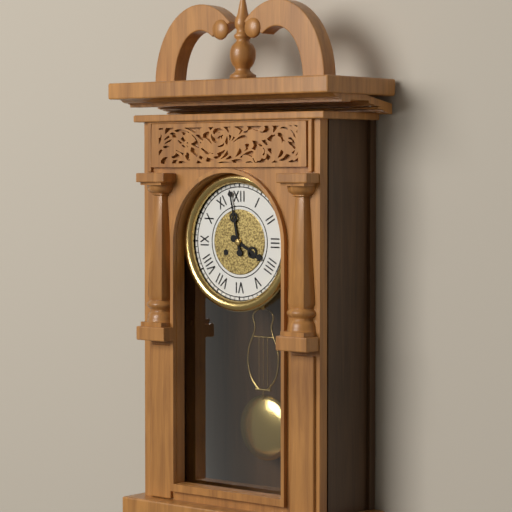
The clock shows 3.58
